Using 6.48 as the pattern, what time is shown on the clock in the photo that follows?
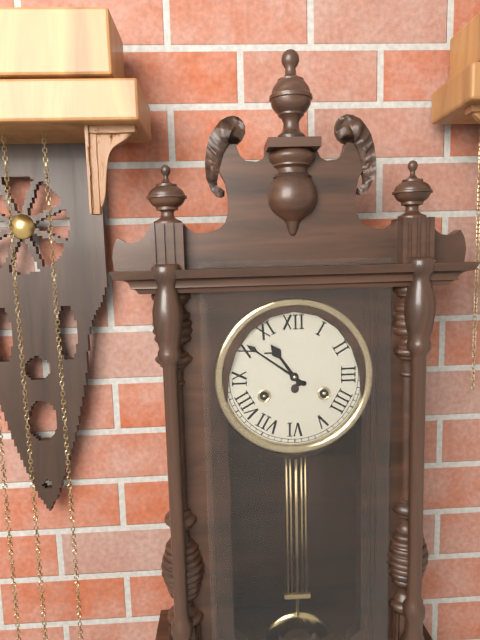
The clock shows 10.51
